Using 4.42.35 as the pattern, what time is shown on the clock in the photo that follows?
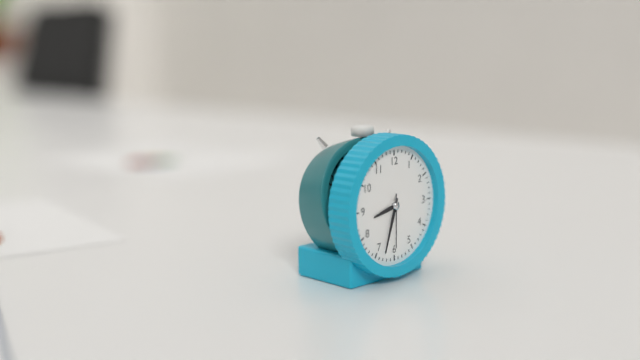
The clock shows 8.33.30
